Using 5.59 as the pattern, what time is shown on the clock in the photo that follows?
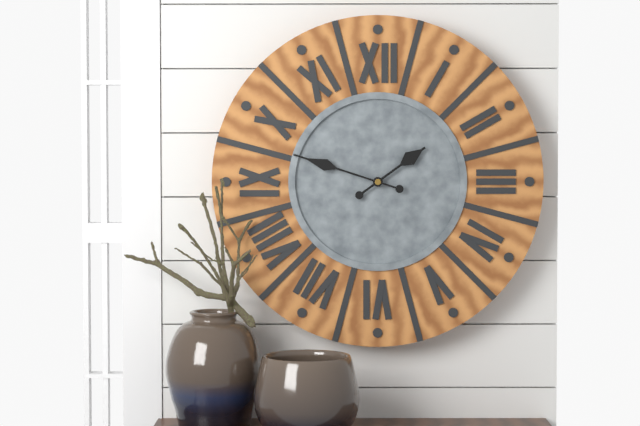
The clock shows 1.48
